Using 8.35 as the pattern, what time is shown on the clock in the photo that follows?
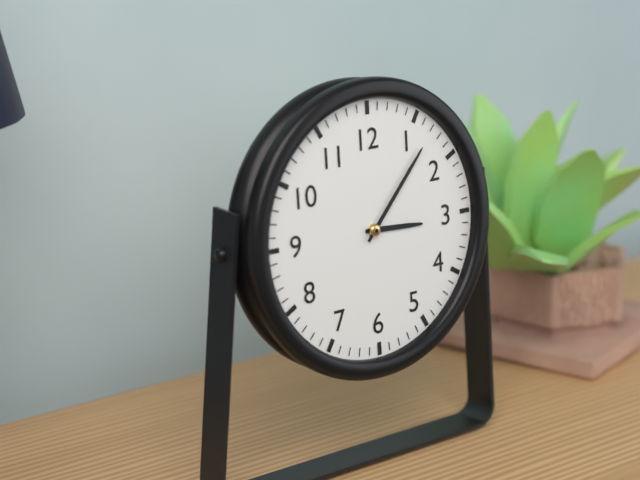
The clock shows 3.07
